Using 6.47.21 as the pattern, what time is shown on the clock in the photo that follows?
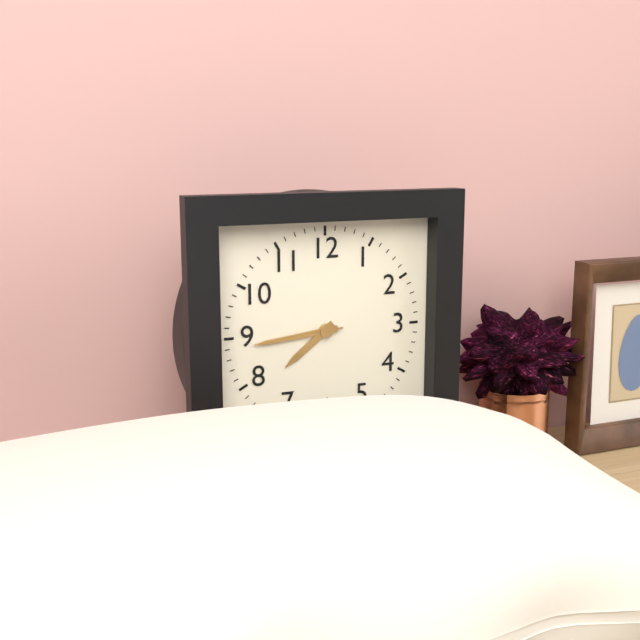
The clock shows 7.44.44
